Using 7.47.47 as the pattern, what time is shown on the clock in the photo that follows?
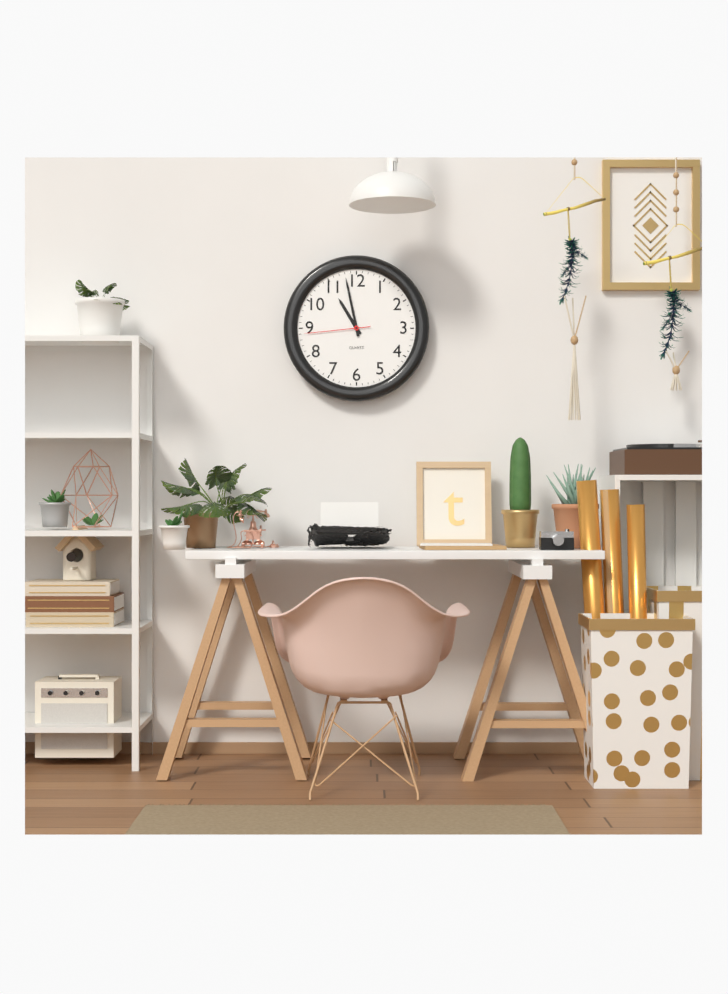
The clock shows 10.58.44
